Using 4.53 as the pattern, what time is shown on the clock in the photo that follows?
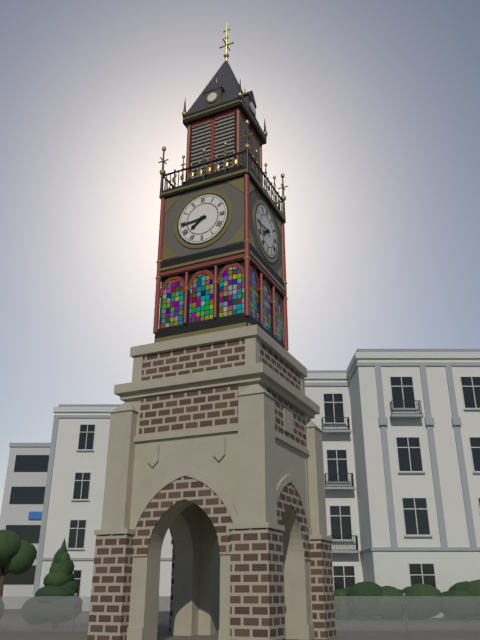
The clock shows 7.44
